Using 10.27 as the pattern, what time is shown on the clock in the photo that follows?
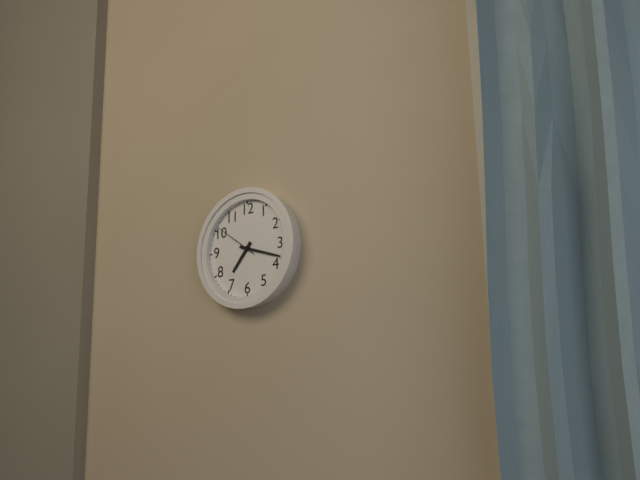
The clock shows 7.18
